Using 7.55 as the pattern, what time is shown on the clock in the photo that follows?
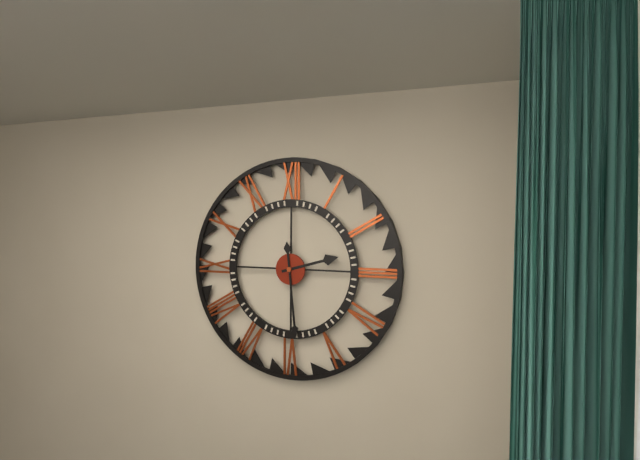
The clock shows 2.29
